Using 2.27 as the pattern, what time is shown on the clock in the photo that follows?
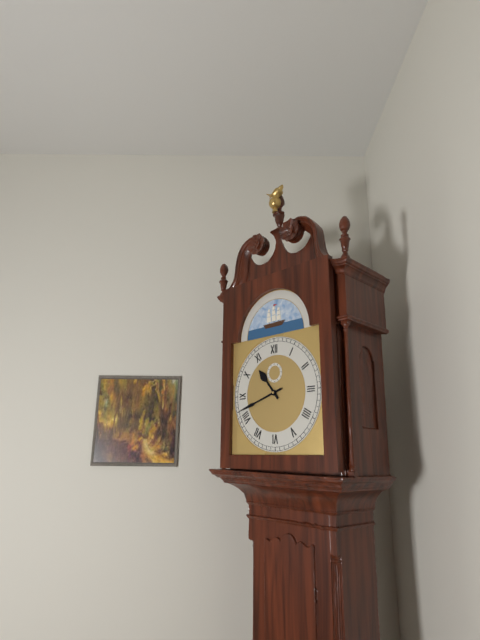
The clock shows 10.42
